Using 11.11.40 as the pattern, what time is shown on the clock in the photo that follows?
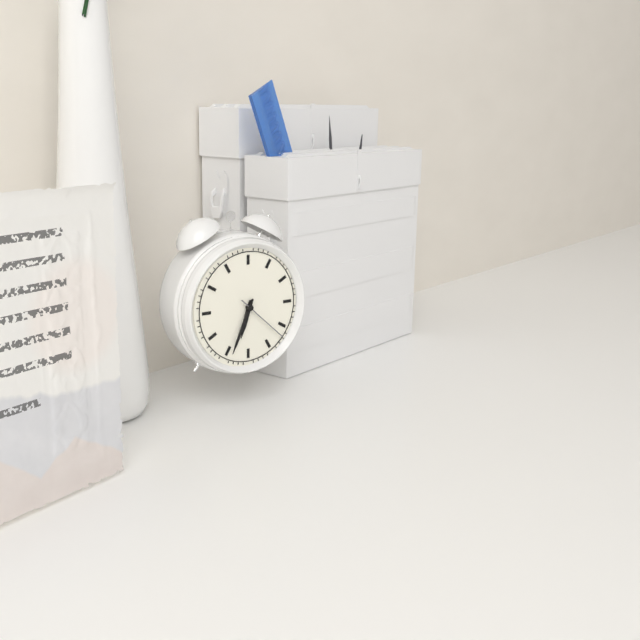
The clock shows 6.34.22
